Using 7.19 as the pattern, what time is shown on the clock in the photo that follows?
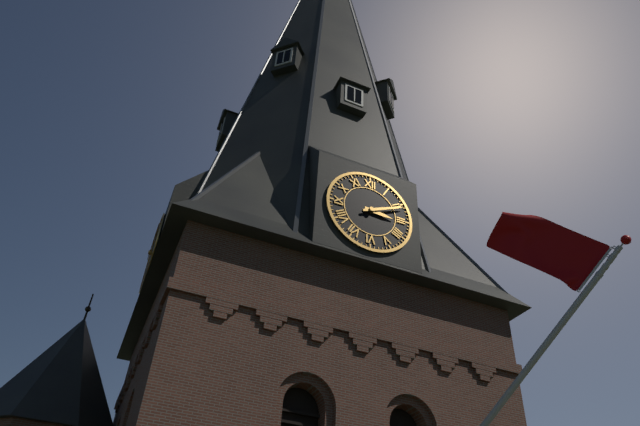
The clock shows 3.11
